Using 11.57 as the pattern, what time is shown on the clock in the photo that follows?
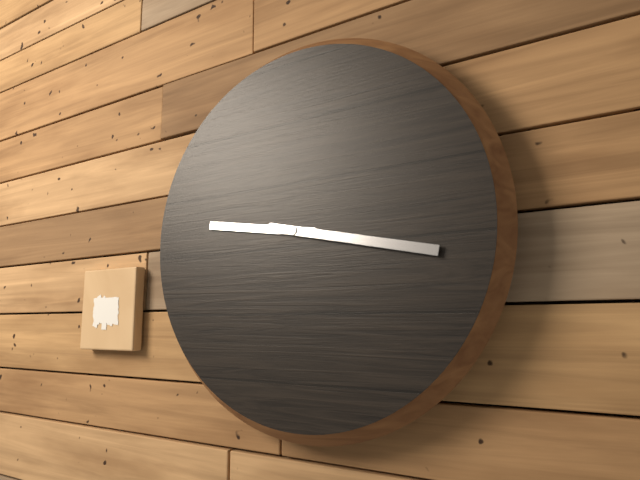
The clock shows 9.17
